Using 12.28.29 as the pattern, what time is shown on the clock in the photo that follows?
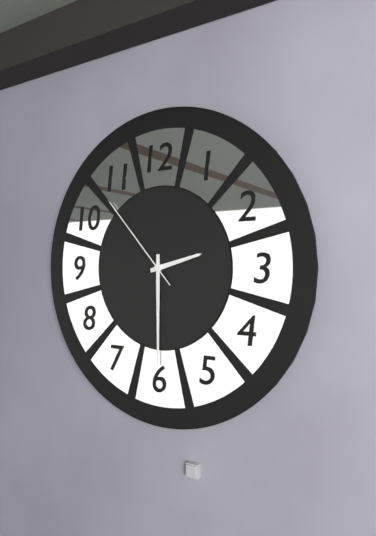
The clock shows 2.30.53
